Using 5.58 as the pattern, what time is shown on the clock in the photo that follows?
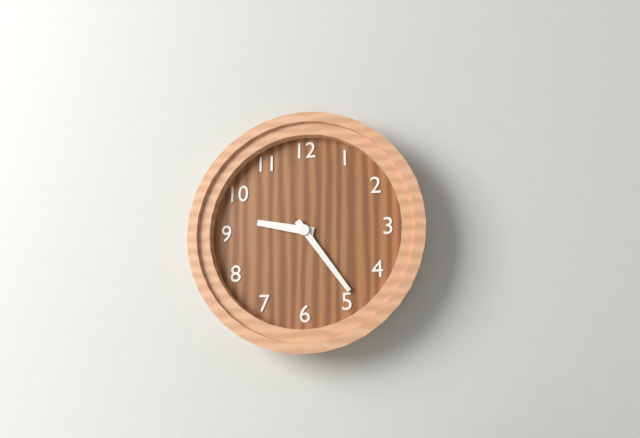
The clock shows 9.24
